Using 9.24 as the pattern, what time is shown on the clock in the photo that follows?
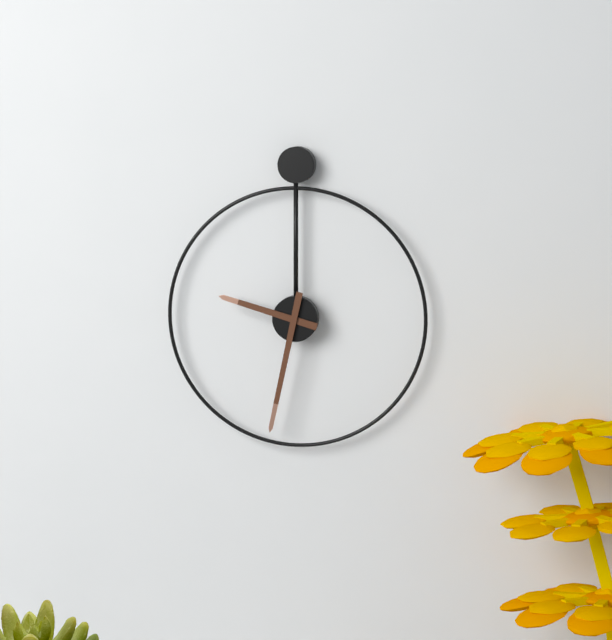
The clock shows 9.32
